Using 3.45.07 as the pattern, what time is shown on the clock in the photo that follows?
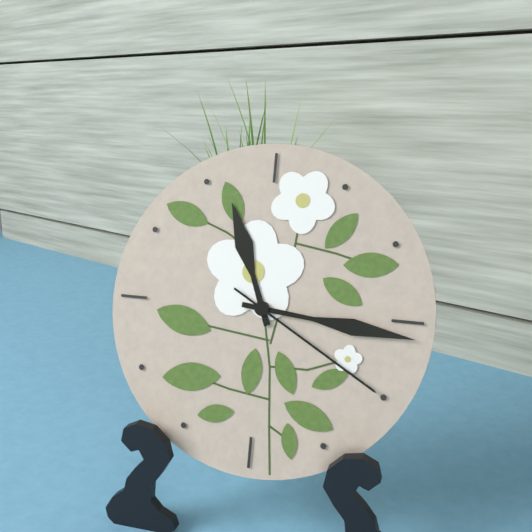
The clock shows 11.16.20
